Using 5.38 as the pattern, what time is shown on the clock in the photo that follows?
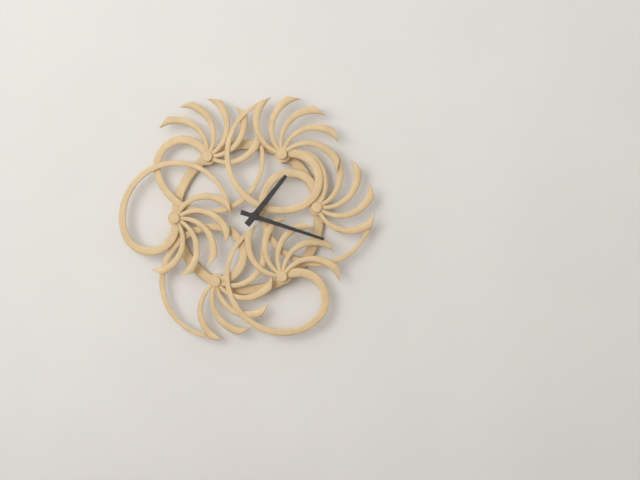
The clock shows 1.18
